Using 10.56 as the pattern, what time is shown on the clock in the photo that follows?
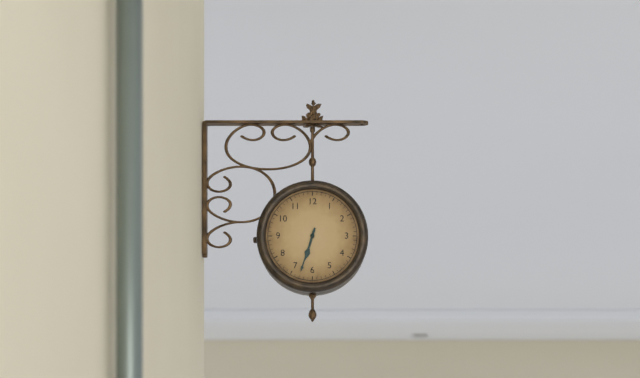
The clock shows 6.33
